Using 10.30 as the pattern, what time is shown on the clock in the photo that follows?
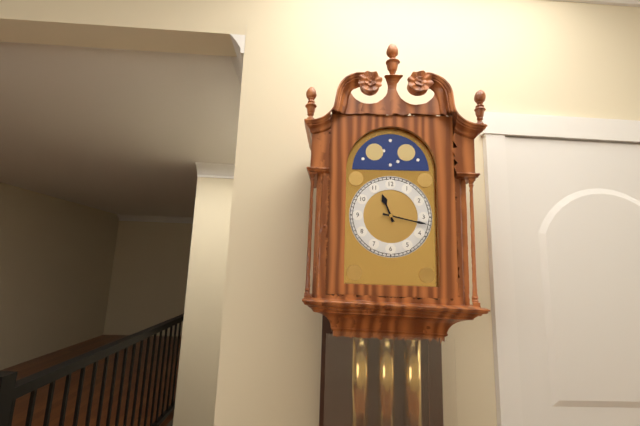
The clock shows 11.17
